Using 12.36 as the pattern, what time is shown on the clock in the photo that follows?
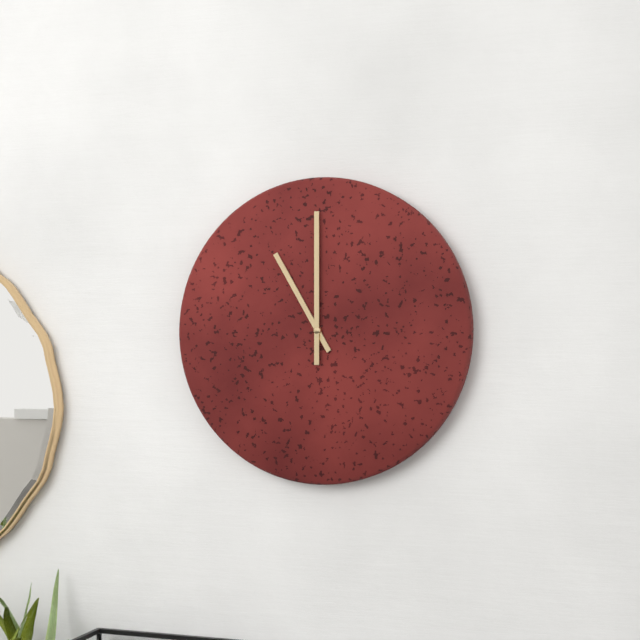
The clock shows 11.00
